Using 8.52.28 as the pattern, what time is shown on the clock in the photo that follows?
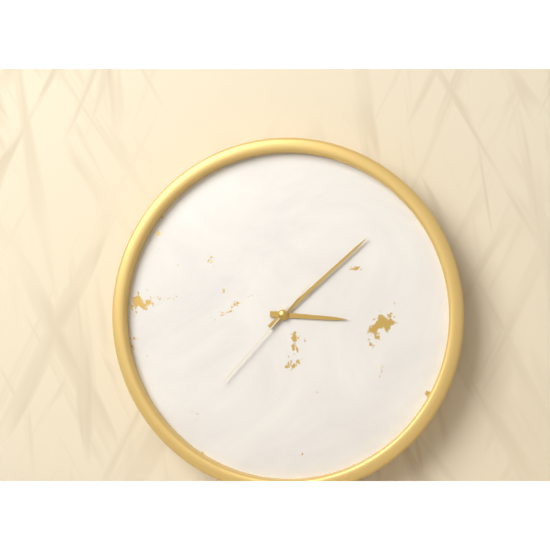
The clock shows 3.08.37
